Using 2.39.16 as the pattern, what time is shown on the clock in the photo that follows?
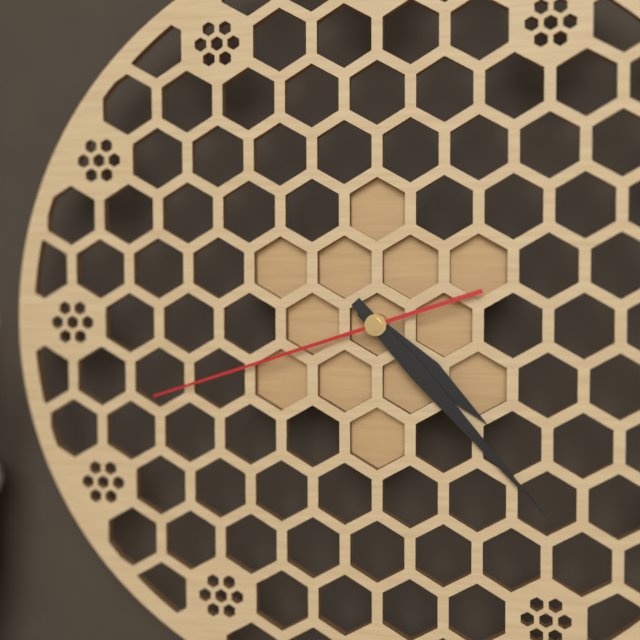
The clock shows 4.23.42
